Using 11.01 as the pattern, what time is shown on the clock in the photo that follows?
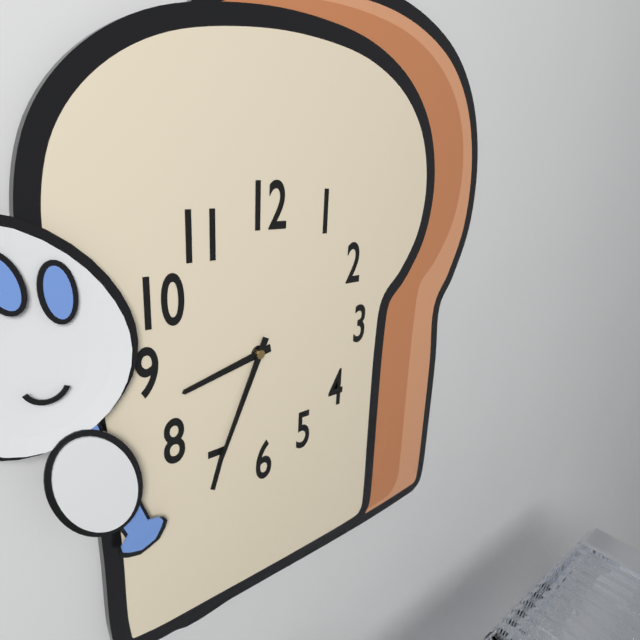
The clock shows 8.34
